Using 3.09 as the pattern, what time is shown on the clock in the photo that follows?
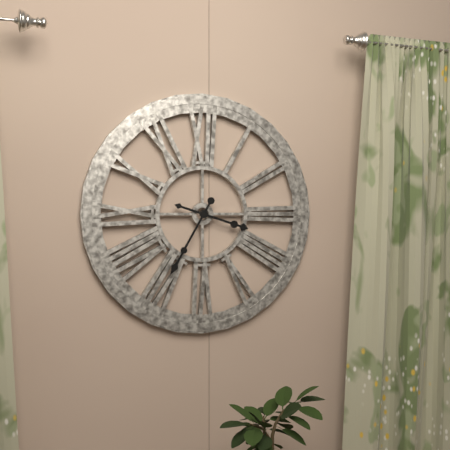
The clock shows 3.35
